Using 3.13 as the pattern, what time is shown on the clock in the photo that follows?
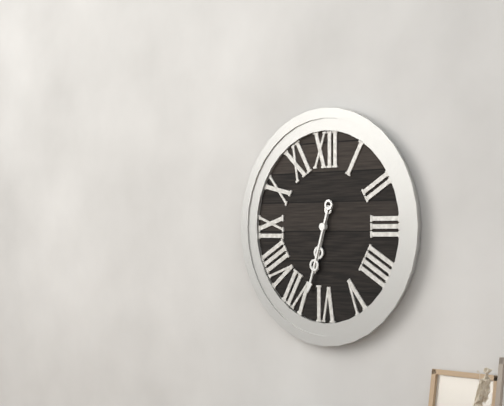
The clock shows 6.33
